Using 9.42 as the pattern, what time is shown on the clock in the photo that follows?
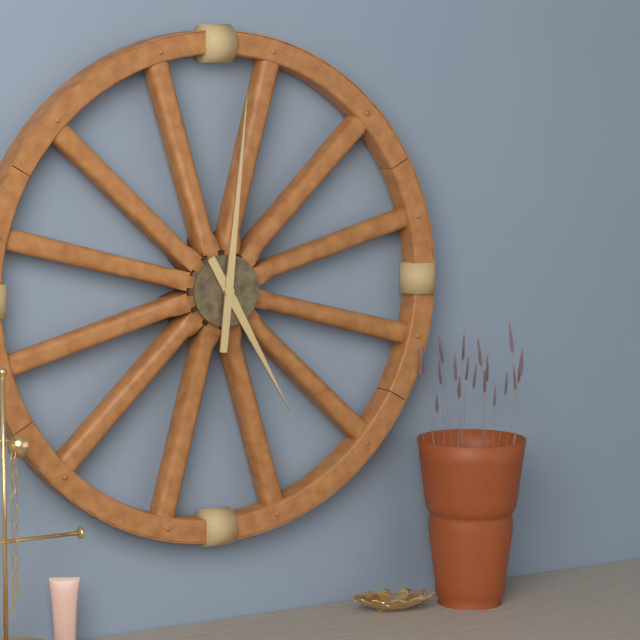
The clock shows 5.01
